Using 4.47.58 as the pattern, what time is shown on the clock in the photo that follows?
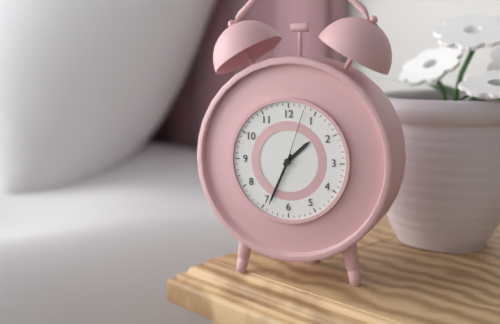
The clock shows 1.34.03
